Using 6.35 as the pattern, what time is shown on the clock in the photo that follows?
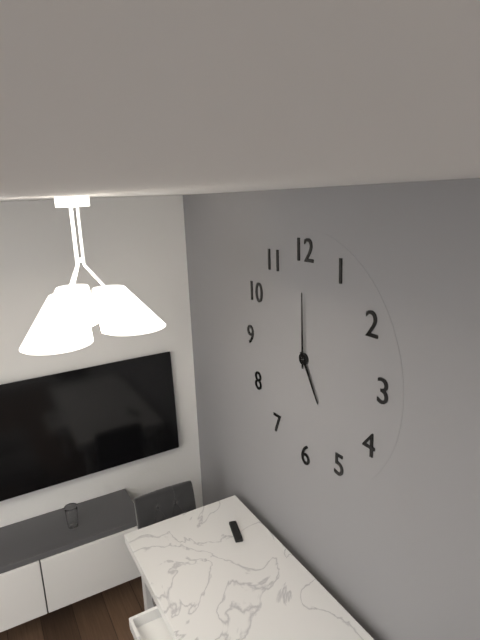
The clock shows 5.00
